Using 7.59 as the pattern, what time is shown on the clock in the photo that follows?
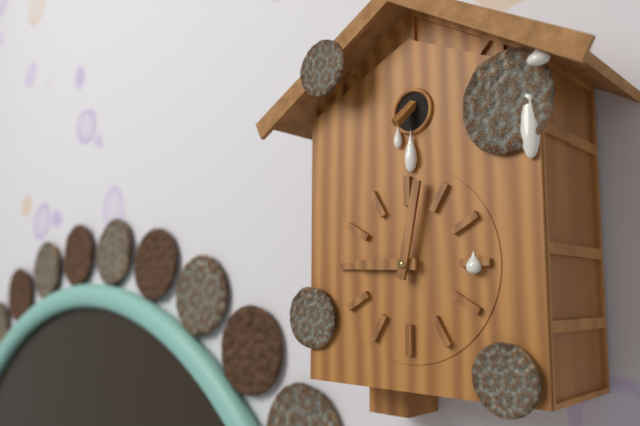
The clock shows 9.02
